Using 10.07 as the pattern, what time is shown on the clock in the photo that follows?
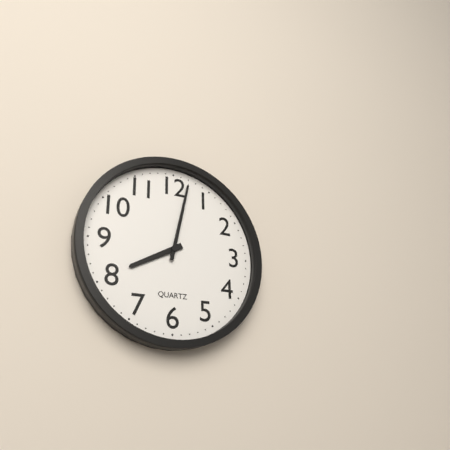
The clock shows 8.02
